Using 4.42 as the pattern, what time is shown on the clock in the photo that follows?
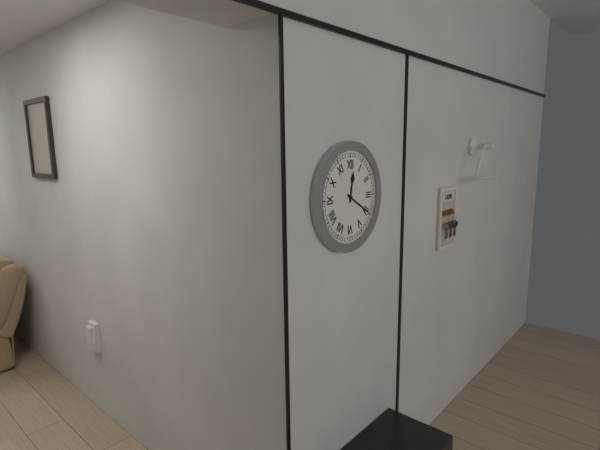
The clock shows 12.20
